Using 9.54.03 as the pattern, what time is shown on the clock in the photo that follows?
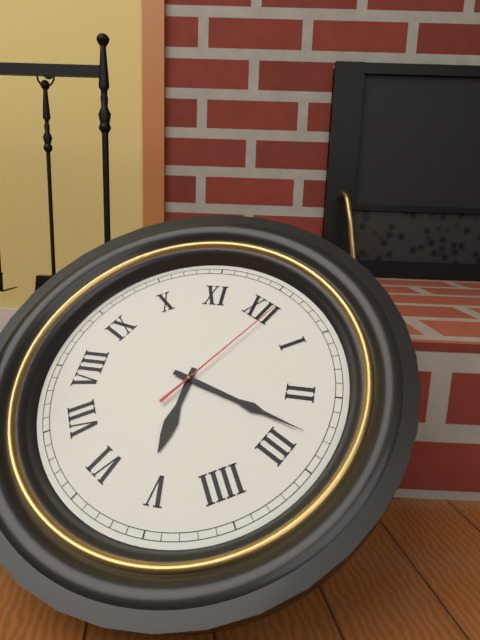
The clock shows 5.13.01
